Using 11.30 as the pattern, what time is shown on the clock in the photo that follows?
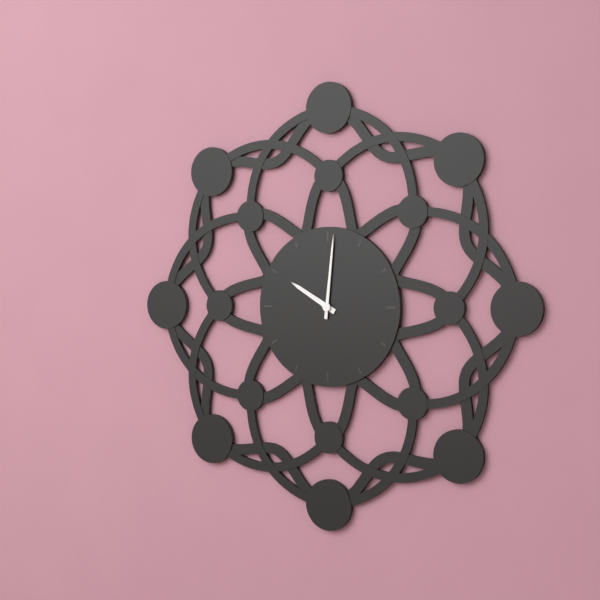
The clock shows 10.01
